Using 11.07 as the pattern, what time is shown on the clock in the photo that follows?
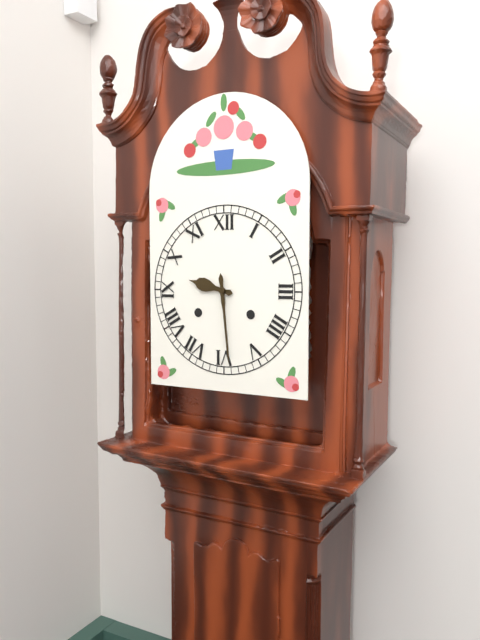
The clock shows 9.29
